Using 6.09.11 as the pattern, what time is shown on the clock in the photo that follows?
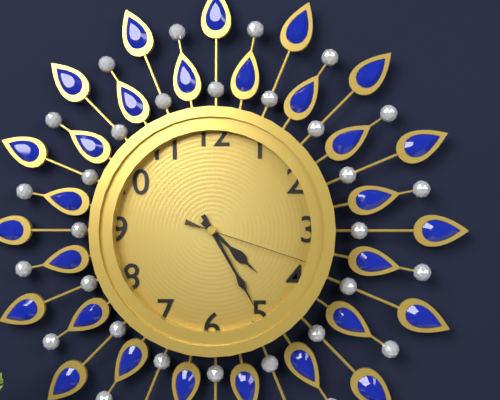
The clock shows 4.25.18
